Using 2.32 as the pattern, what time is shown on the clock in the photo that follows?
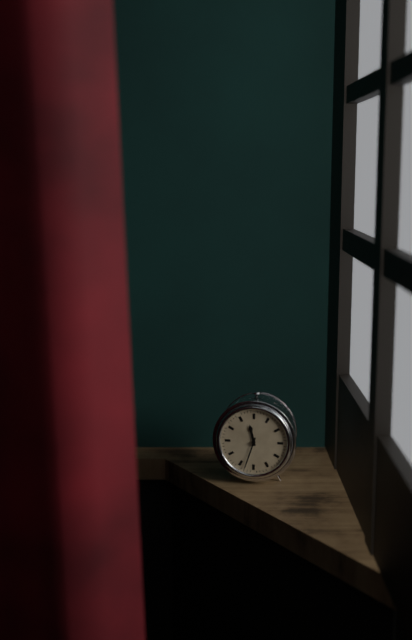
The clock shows 11.33
